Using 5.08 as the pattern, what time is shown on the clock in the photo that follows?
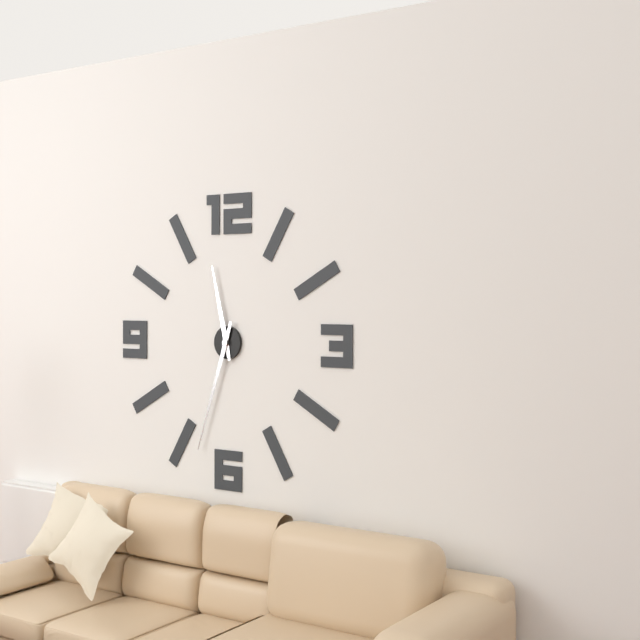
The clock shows 11.33
